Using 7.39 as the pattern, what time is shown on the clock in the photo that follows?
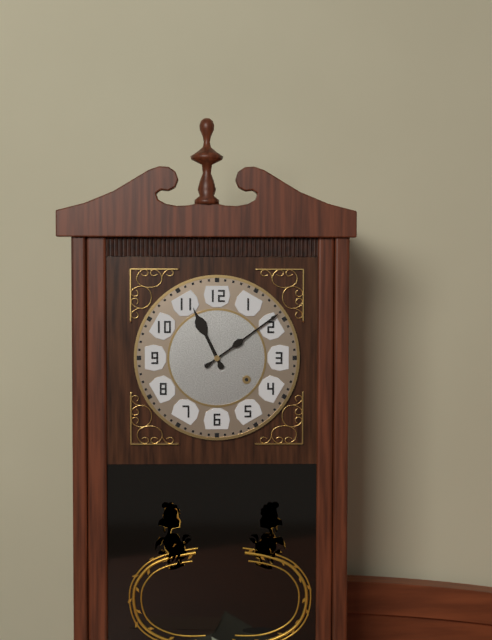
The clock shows 11.09
